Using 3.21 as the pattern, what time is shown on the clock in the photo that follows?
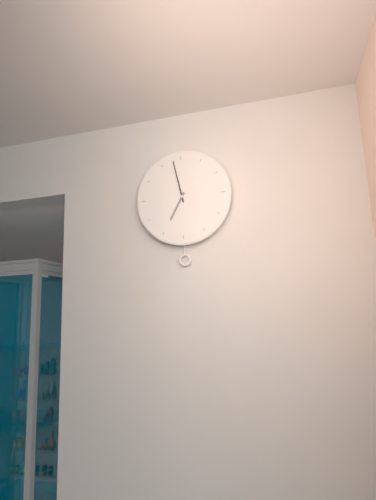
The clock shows 6.58
